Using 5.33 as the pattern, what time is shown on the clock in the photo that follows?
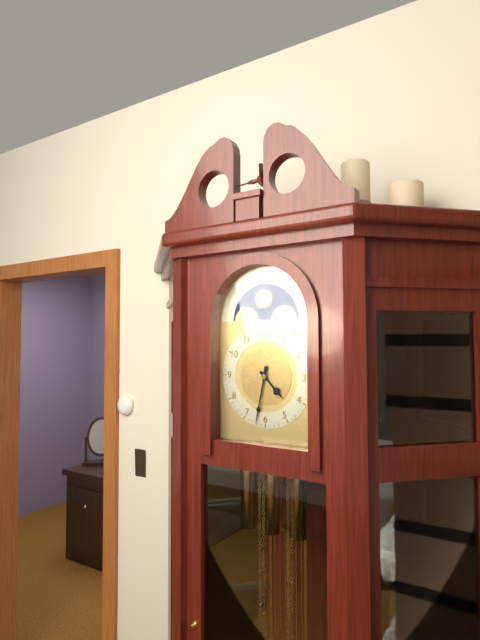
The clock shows 4.32
